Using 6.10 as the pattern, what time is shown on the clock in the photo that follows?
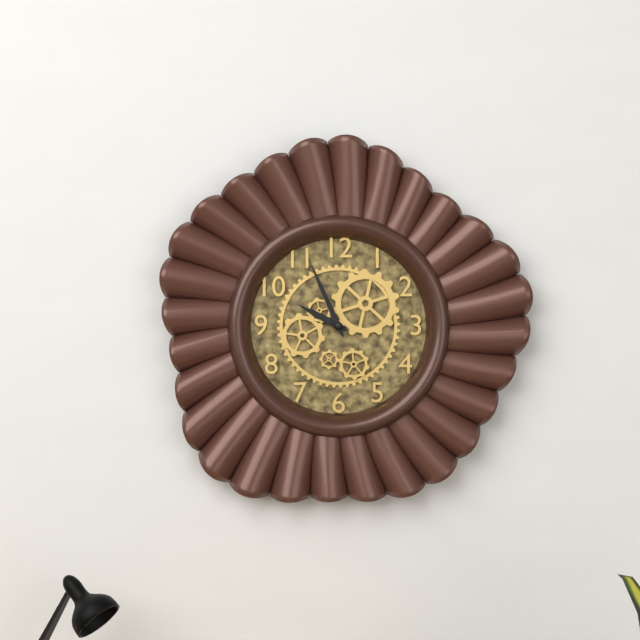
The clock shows 9.56
